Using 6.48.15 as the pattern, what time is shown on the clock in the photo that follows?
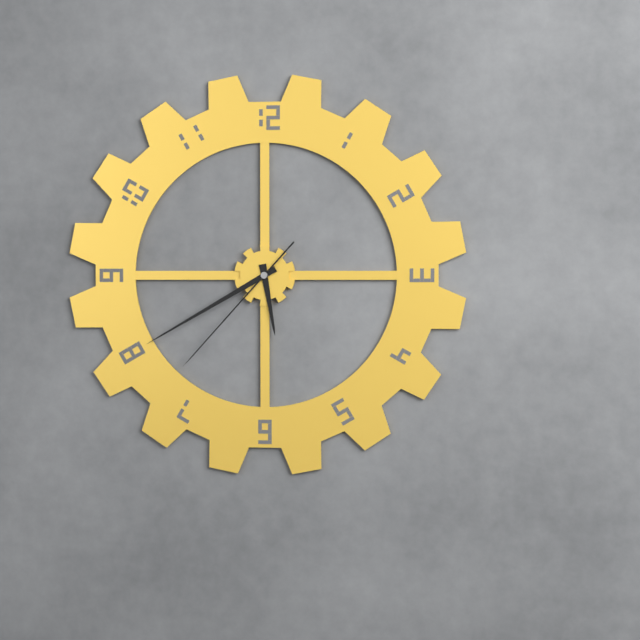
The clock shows 5.40.37
